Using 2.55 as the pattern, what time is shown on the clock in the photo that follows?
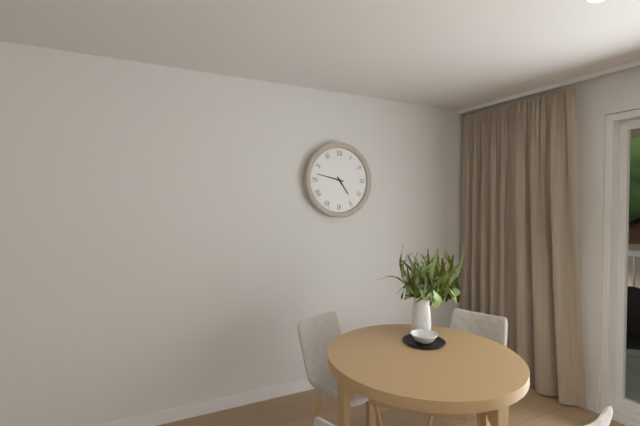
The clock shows 4.47
